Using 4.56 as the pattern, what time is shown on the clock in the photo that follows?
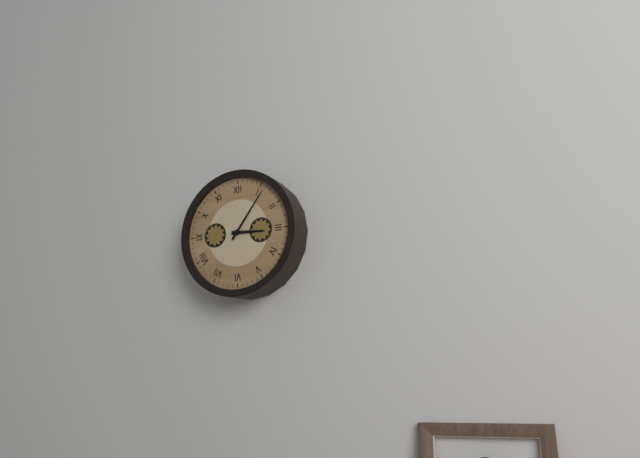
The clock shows 3.06
